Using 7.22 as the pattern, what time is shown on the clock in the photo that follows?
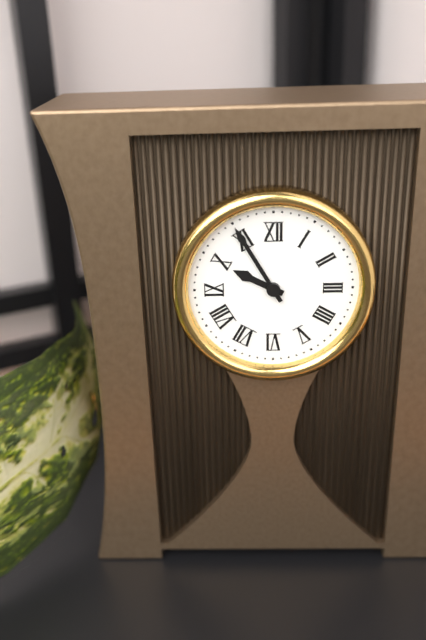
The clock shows 9.55
